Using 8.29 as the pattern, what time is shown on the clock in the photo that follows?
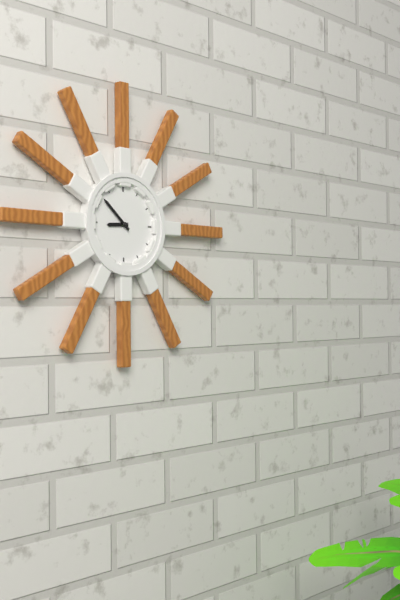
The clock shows 8.52
